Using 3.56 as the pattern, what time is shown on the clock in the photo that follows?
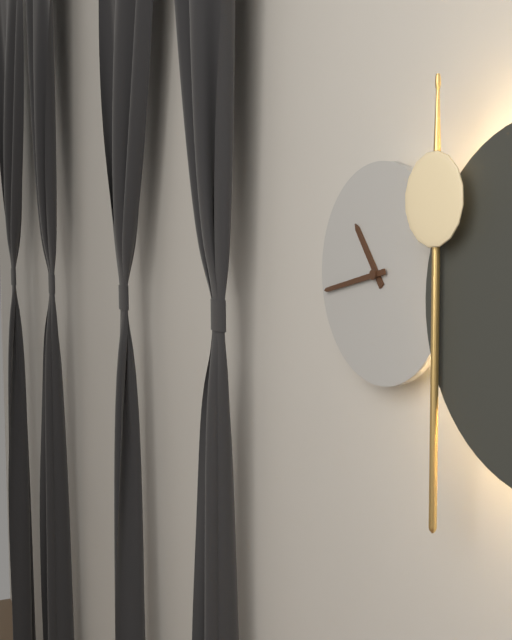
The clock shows 10.43
